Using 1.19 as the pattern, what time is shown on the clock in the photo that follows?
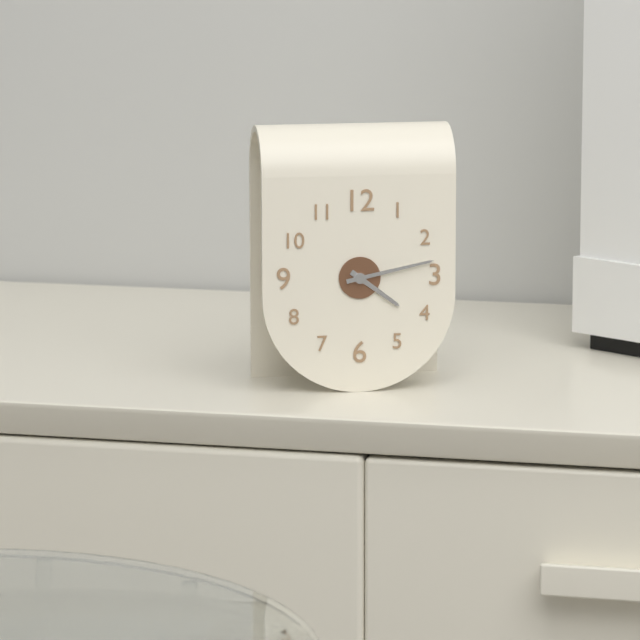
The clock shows 4.13
